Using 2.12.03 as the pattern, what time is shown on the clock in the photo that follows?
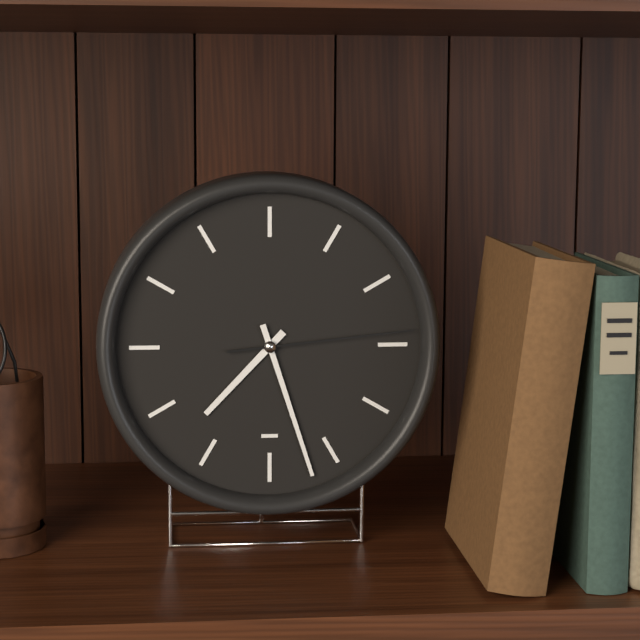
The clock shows 7.27.14
